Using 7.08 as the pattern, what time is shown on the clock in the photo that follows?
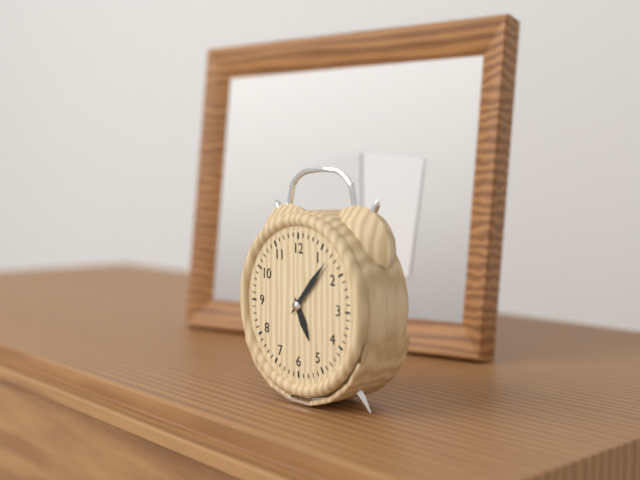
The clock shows 5.07
